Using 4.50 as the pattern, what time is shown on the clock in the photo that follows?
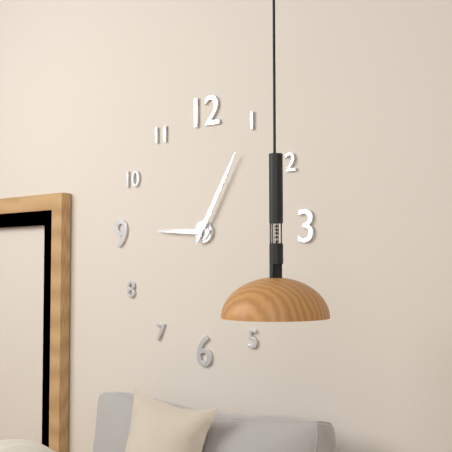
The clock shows 9.05
